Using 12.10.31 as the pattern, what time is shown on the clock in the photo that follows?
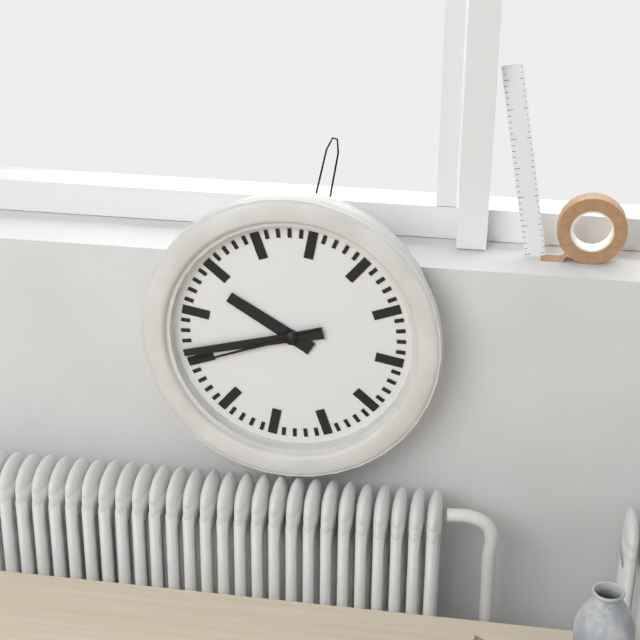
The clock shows 9.41.40
